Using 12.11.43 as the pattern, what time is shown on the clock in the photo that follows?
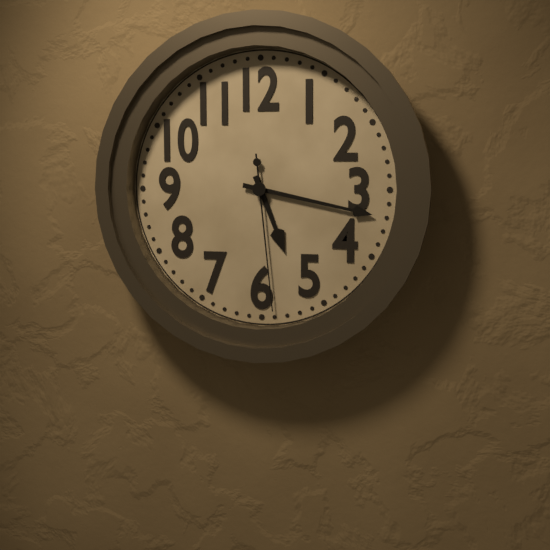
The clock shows 5.17.29
